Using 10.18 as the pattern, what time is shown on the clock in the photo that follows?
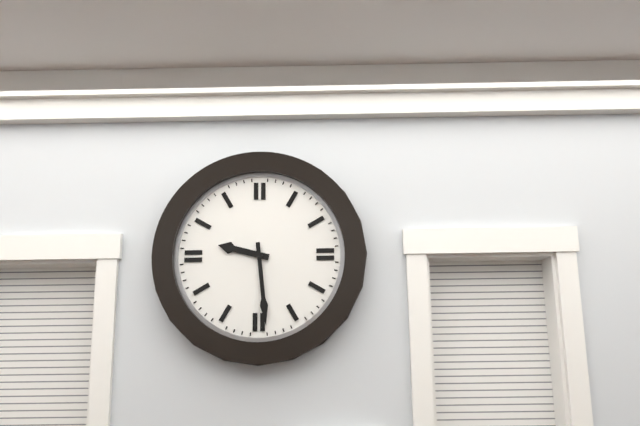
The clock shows 9.29
